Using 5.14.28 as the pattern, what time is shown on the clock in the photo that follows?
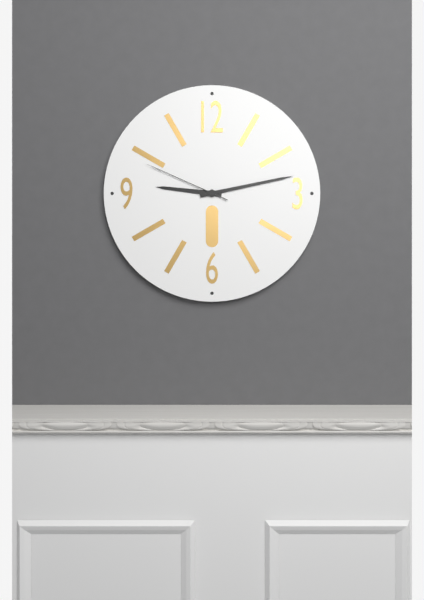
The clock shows 9.13.49
